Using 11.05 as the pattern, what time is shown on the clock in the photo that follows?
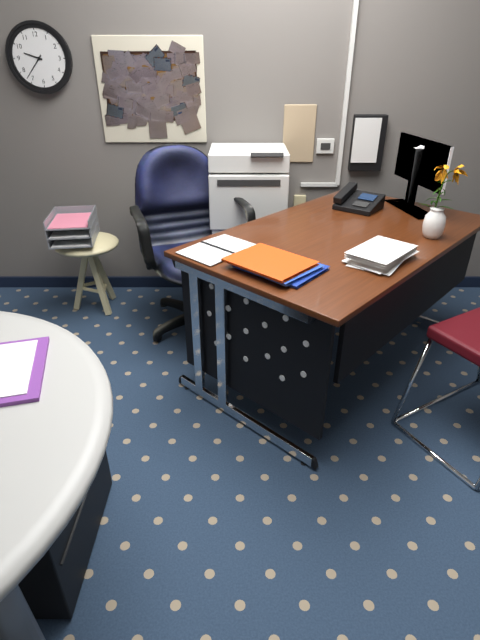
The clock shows 9.37
